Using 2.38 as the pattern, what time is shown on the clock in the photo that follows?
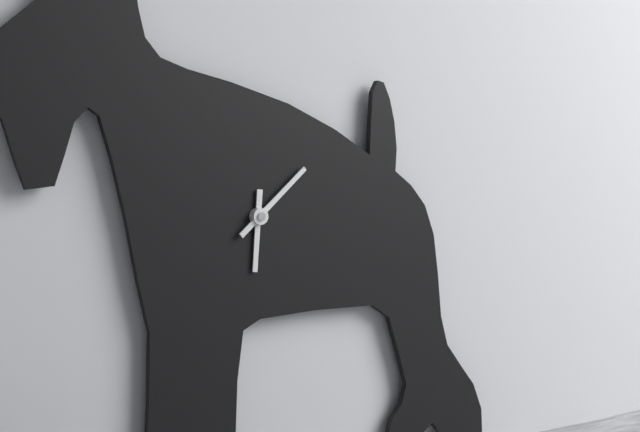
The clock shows 6.08
